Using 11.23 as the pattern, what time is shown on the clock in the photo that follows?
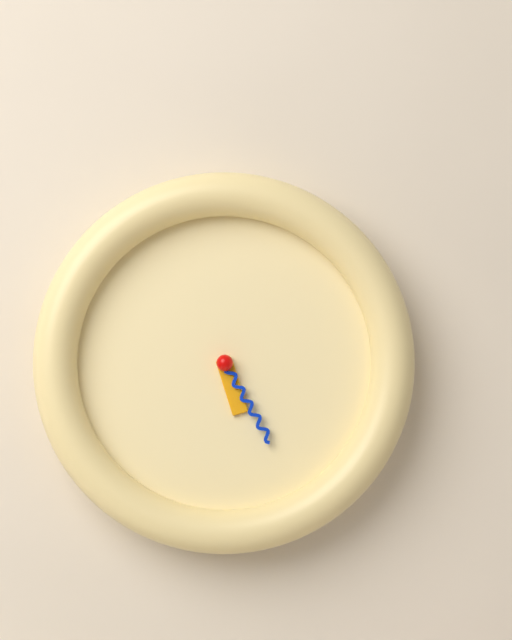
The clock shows 5.25
